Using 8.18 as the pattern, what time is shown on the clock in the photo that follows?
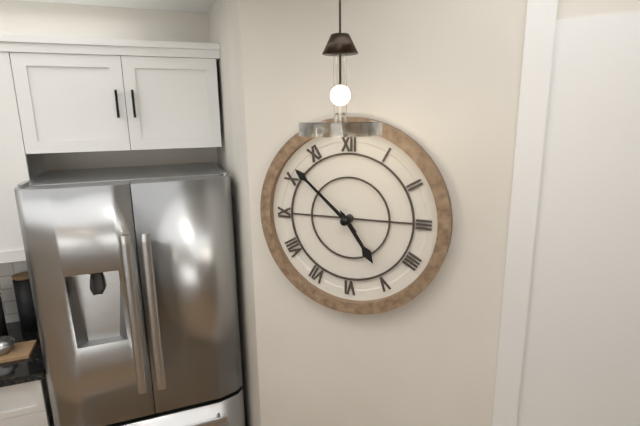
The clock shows 4.52
